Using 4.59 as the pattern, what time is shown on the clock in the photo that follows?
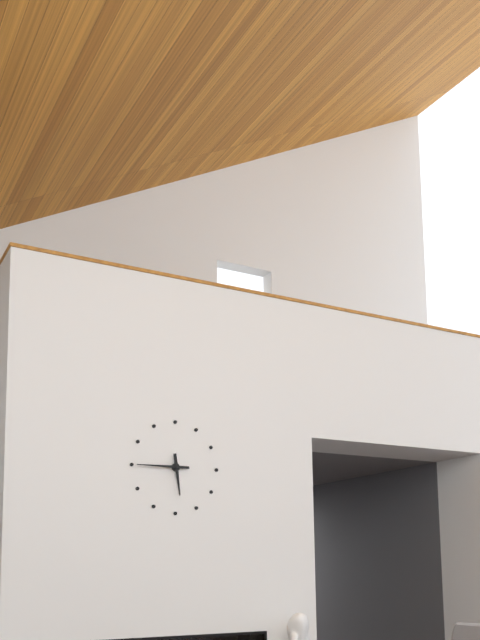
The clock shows 5.45
